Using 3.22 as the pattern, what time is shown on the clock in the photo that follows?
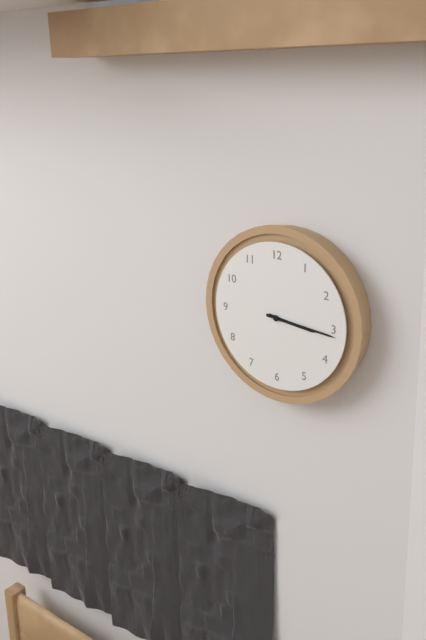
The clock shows 3.16
